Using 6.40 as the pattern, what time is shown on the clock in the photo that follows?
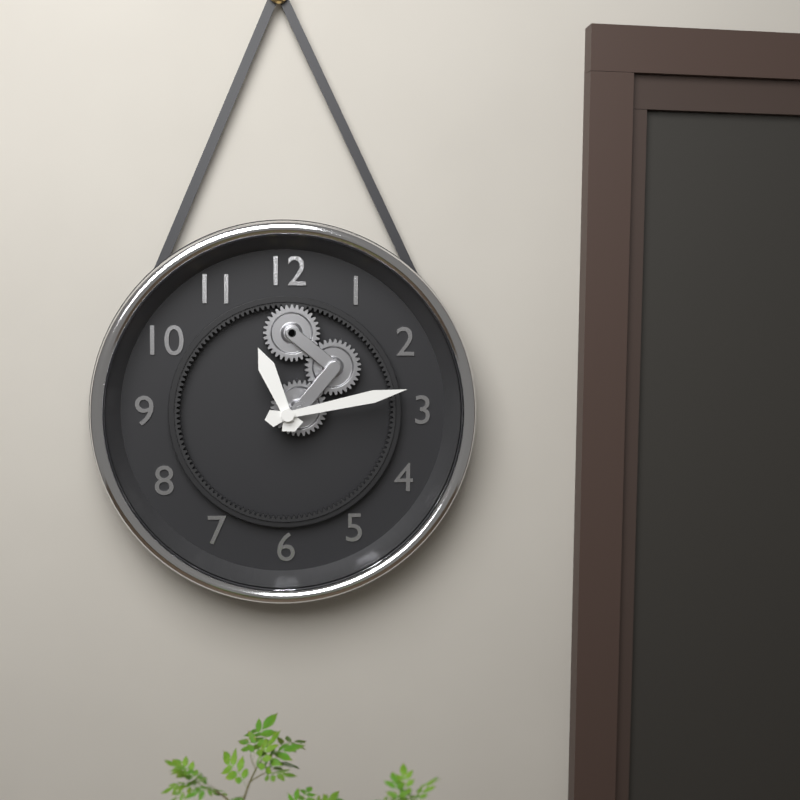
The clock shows 11.13
